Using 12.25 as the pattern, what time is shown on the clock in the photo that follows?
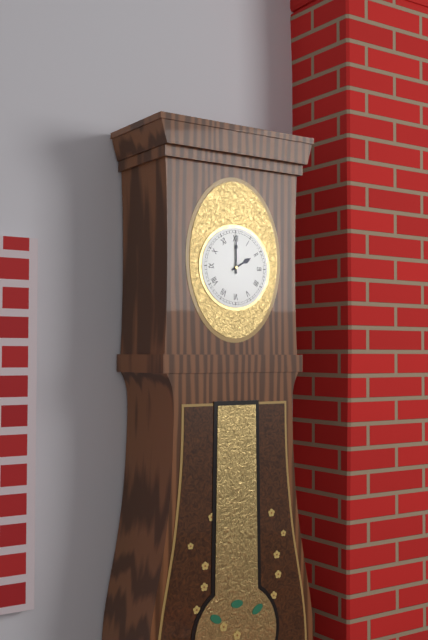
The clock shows 2.00
